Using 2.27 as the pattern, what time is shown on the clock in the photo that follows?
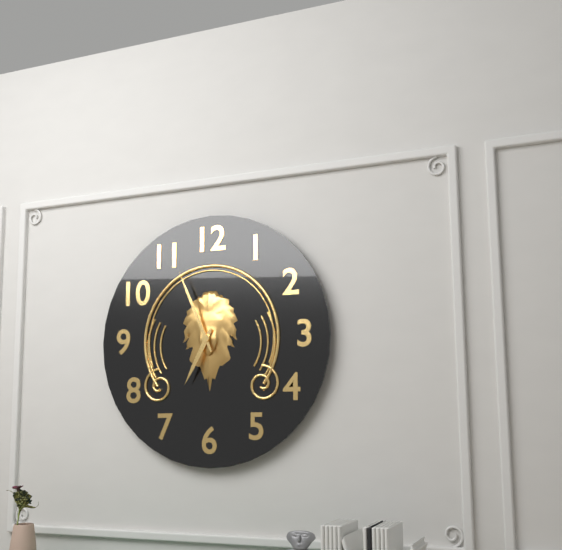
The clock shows 6.56
